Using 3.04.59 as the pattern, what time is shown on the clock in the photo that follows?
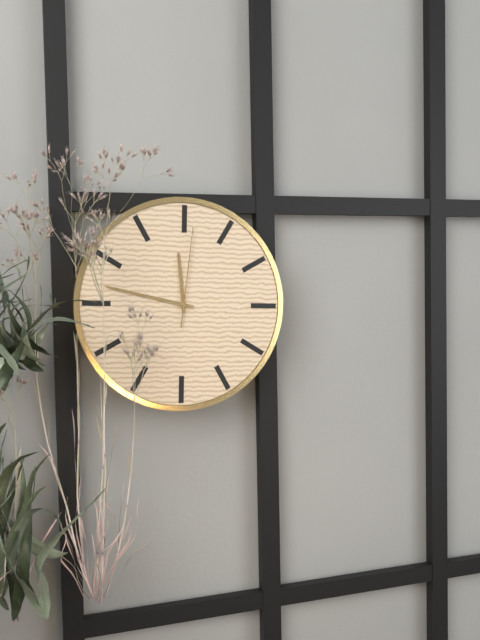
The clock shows 11.47.01
